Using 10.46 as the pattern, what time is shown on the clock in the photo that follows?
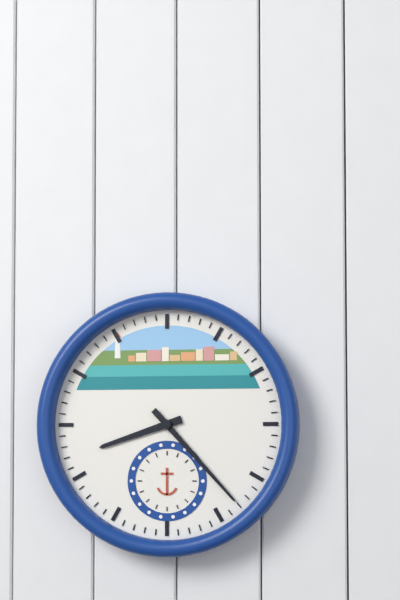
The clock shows 8.23
